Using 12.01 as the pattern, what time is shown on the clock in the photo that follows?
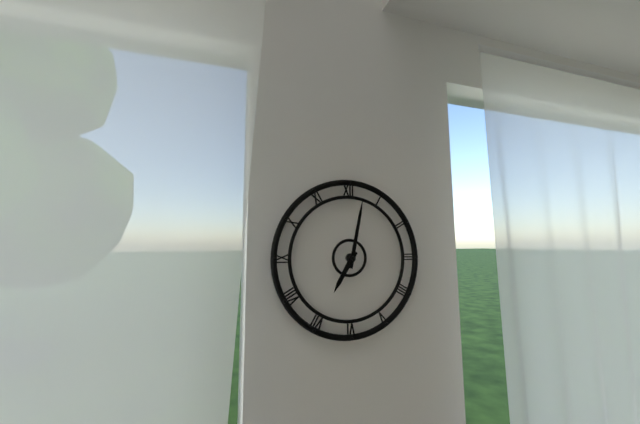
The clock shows 7.02
